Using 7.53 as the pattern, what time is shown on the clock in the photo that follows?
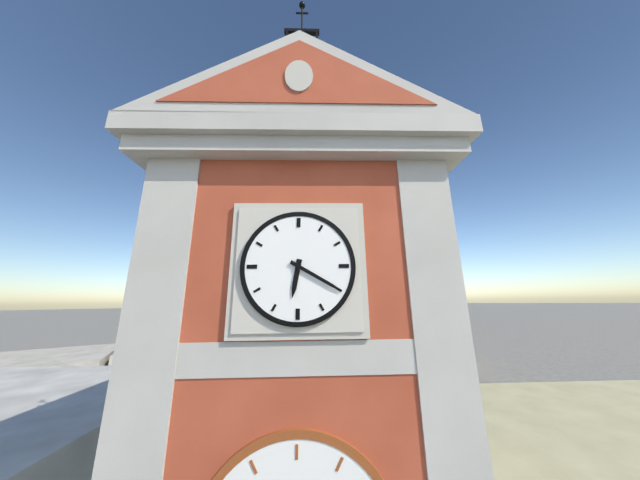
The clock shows 6.20
